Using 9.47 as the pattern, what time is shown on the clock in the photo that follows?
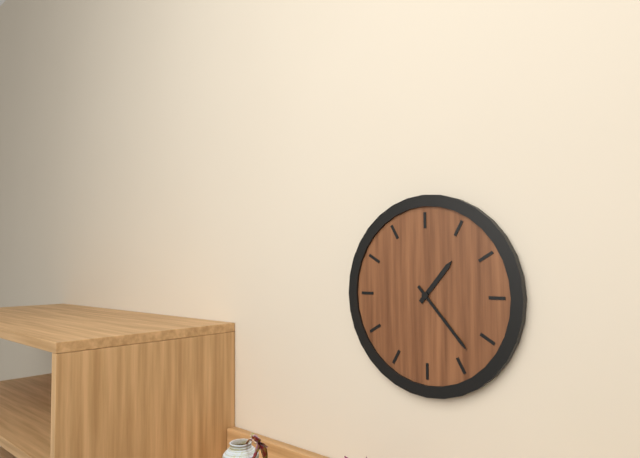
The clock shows 1.23
